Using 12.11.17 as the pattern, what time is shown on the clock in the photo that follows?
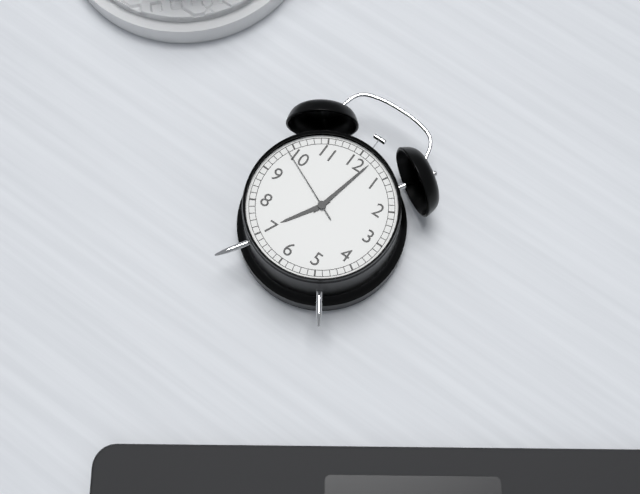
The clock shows 7.02.49
